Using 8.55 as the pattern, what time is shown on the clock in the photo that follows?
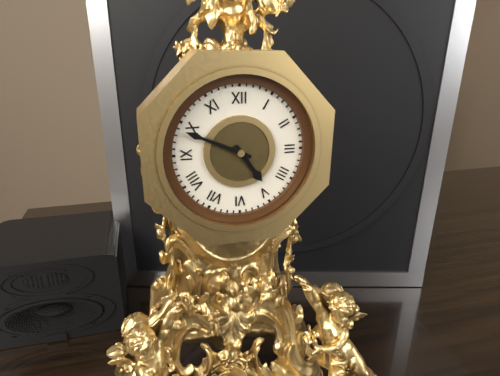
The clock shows 4.49
